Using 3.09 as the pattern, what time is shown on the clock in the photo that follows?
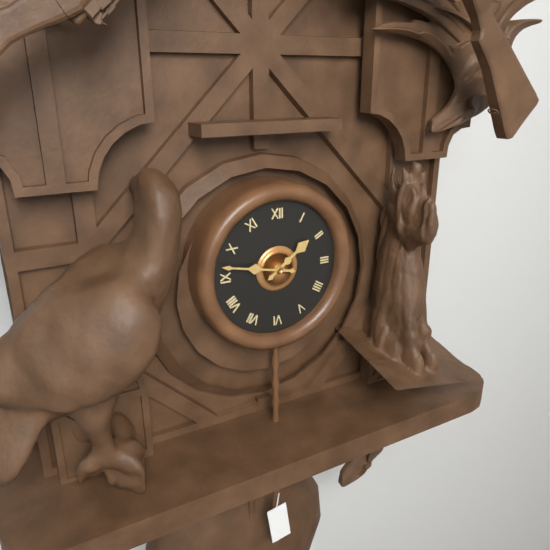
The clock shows 1.47
